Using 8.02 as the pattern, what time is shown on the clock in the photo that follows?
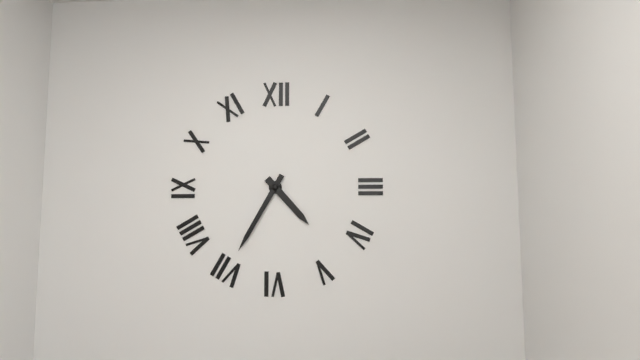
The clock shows 4.35
